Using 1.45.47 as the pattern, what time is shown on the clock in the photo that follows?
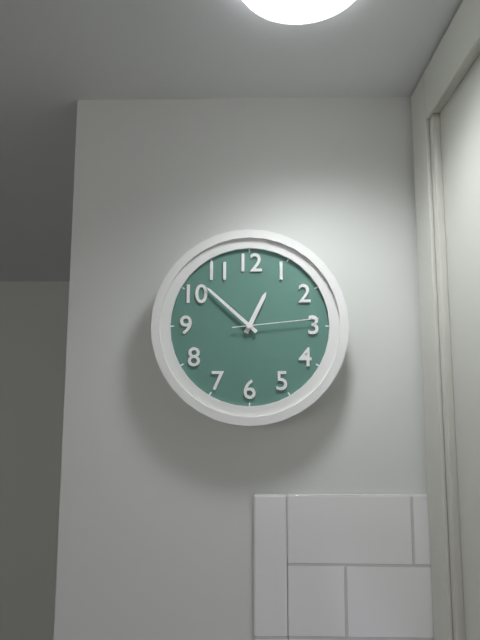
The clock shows 12.52.14
